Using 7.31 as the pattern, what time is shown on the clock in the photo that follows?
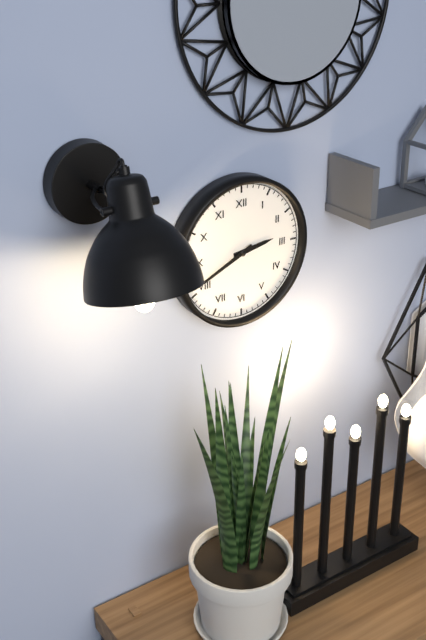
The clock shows 2.41
